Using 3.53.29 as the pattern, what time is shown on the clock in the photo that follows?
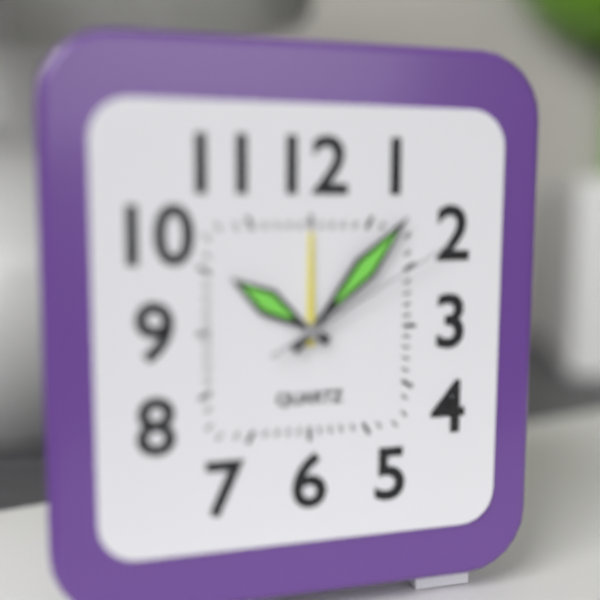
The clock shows 10.07.10
